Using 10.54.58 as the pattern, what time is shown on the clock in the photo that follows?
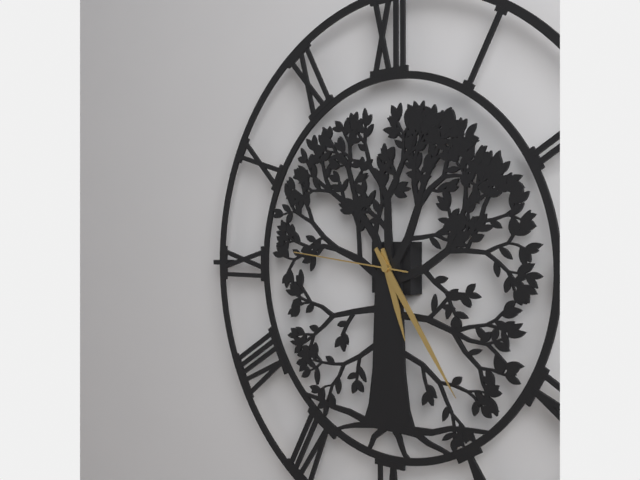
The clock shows 5.24.46
